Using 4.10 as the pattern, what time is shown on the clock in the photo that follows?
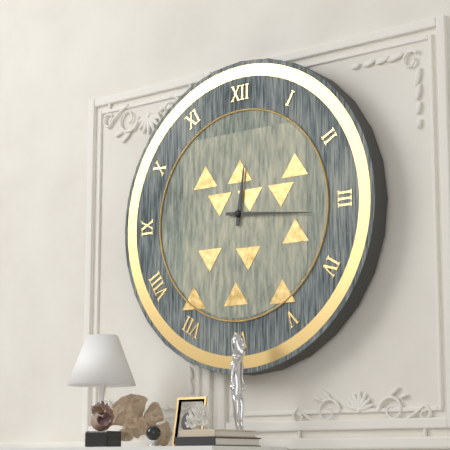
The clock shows 12.16
